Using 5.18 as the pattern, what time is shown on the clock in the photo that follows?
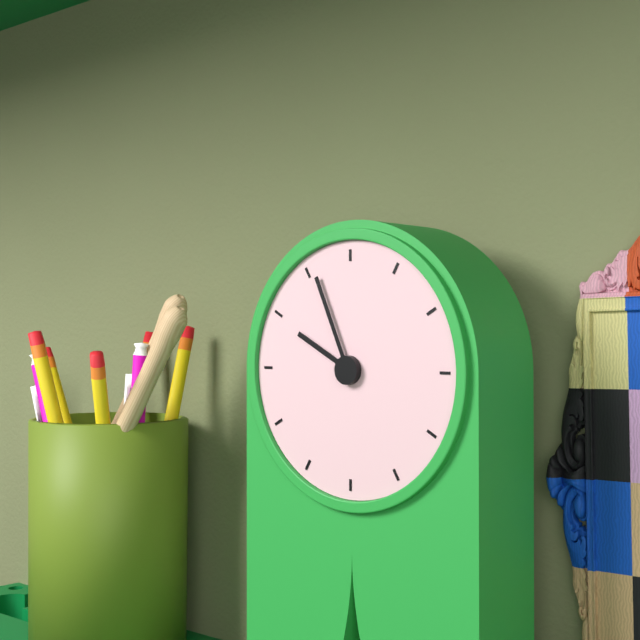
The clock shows 9.56
